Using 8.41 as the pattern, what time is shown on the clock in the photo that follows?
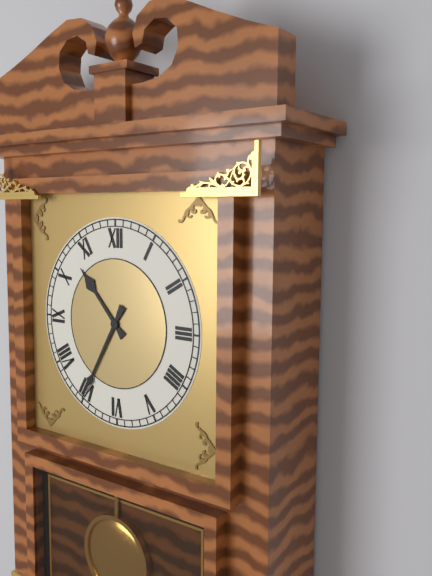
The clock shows 10.35
